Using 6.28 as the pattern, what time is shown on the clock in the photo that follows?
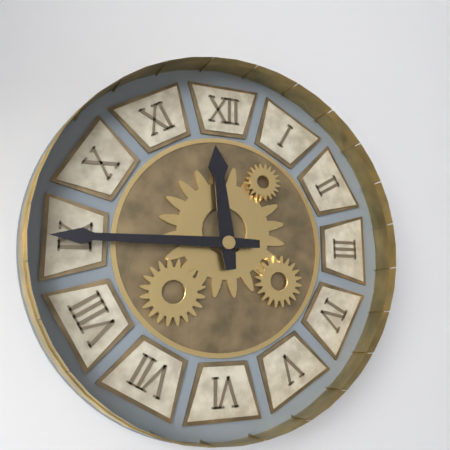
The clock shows 11.45
